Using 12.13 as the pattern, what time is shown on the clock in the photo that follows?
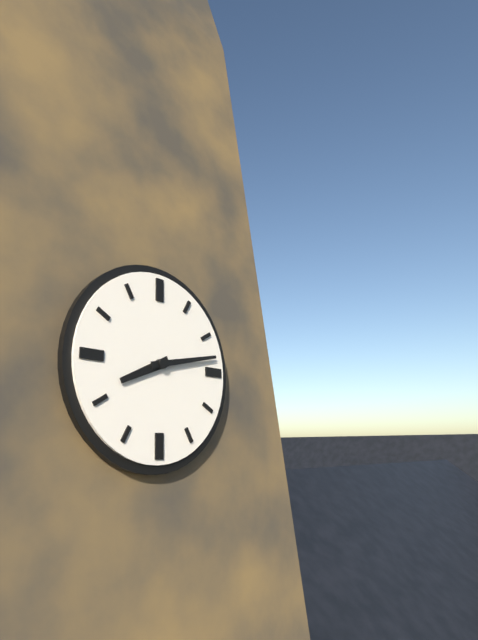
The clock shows 8.13
